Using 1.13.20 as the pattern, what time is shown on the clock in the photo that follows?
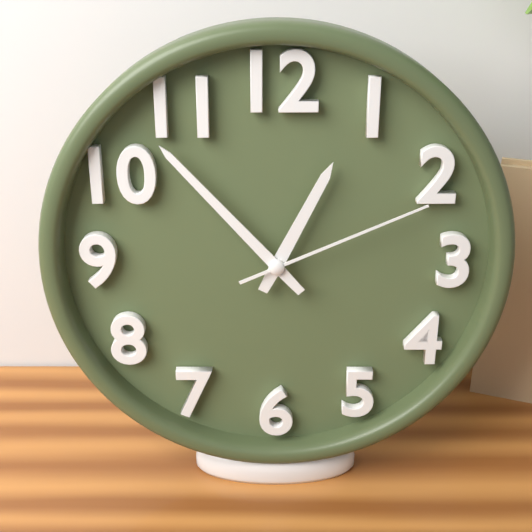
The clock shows 12.53.11
